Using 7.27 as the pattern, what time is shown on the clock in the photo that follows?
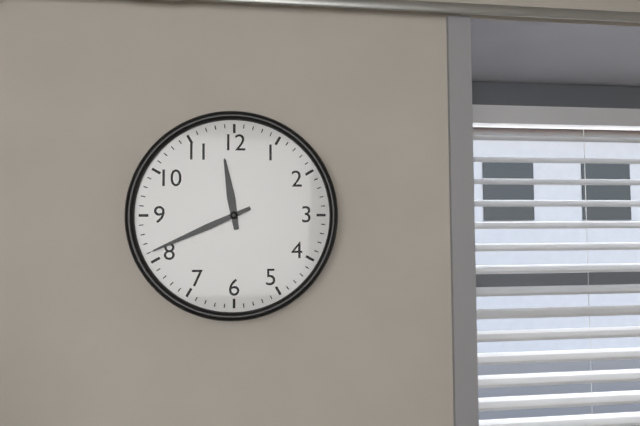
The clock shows 11.41
